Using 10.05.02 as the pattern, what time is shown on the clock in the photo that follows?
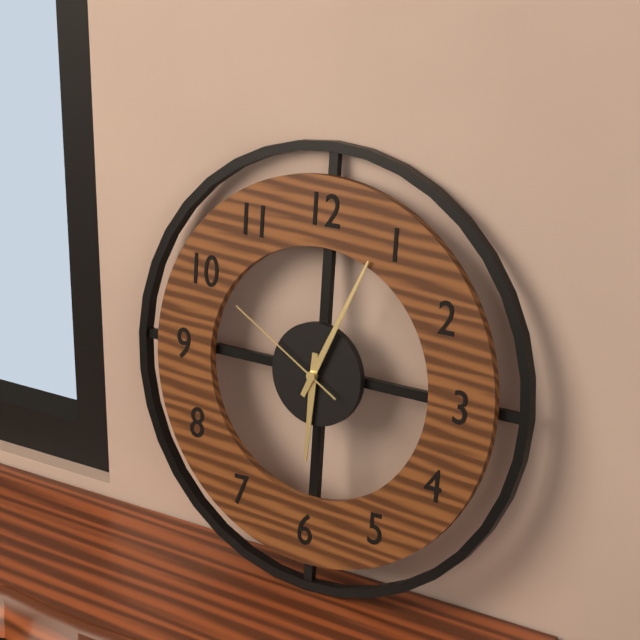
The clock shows 6.04.50
